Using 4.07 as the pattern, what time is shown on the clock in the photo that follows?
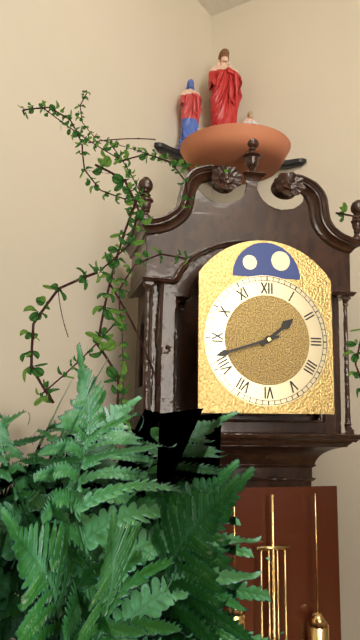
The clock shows 1.42
